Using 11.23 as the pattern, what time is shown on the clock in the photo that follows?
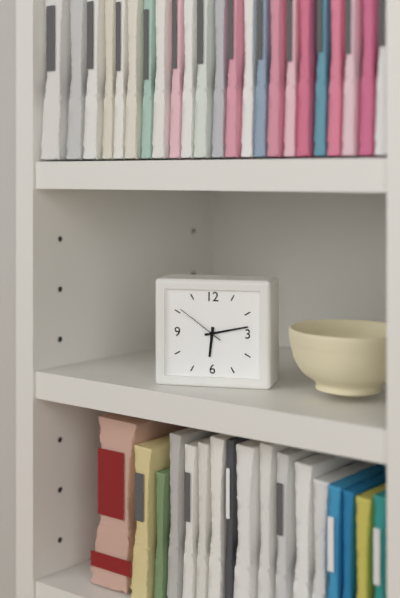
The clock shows 6.13
